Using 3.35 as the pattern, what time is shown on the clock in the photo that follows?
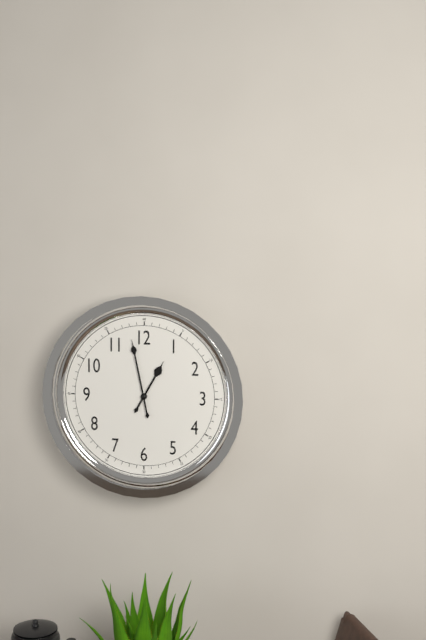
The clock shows 12.58
